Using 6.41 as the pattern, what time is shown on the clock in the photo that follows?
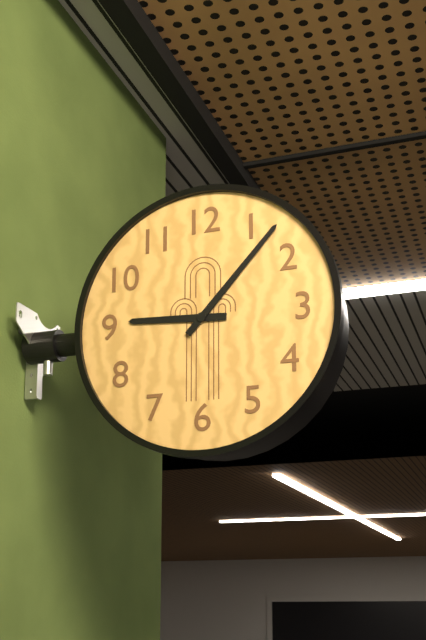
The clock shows 9.07
